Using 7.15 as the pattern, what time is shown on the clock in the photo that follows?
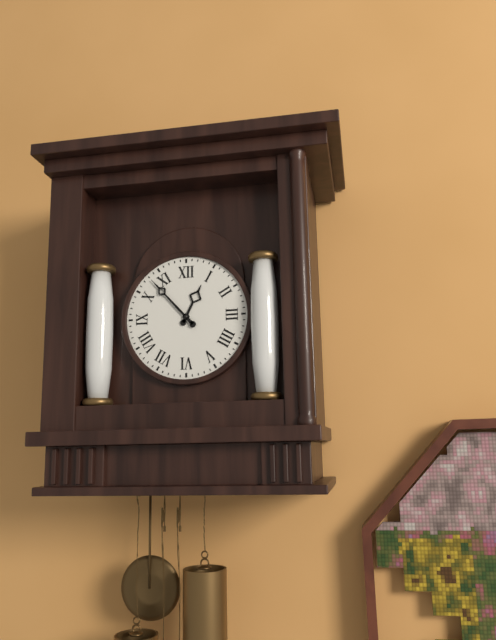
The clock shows 12.53
